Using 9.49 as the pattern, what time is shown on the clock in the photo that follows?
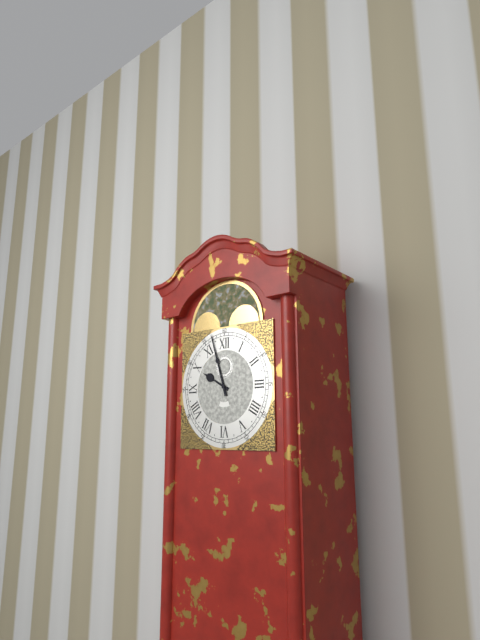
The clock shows 9.57
